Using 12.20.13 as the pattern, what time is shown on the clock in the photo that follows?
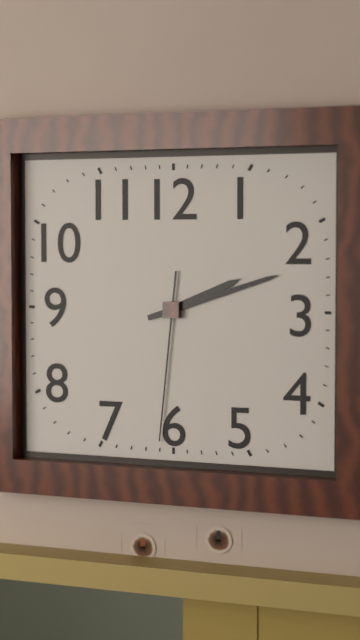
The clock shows 2.12.31
